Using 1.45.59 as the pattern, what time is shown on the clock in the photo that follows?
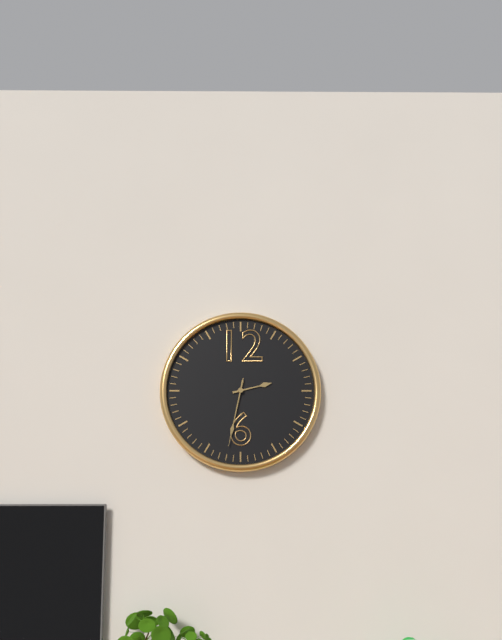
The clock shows 2.32.32
